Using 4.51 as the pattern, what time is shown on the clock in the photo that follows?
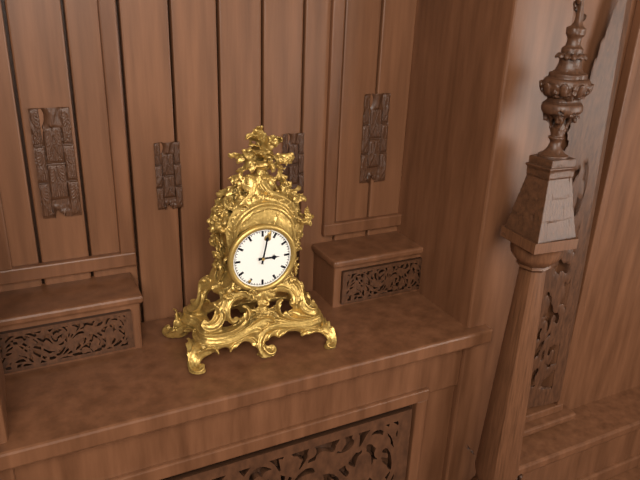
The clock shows 3.02
